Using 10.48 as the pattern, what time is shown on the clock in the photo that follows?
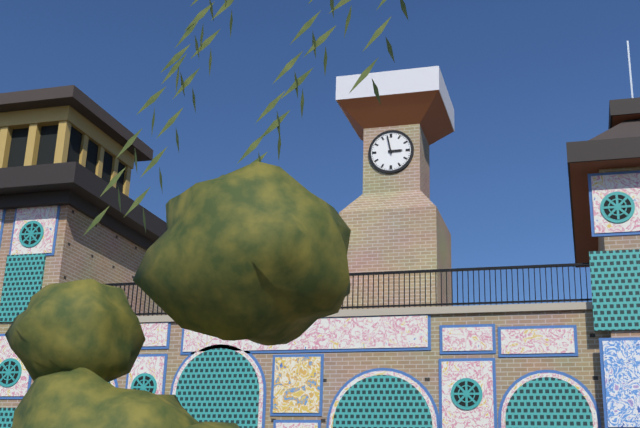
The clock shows 2.58
